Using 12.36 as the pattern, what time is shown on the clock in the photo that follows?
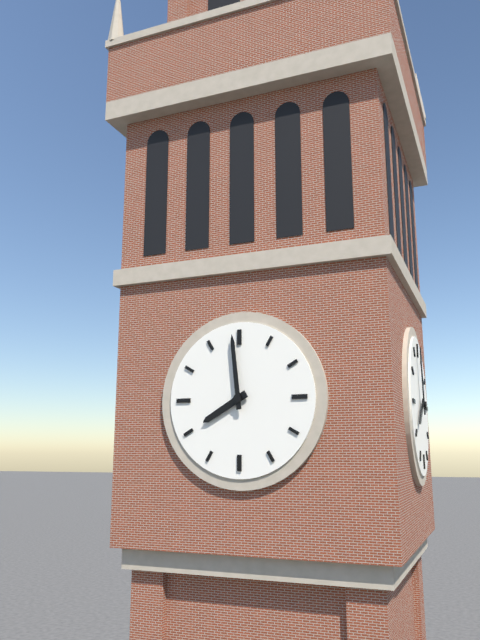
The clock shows 7.59
